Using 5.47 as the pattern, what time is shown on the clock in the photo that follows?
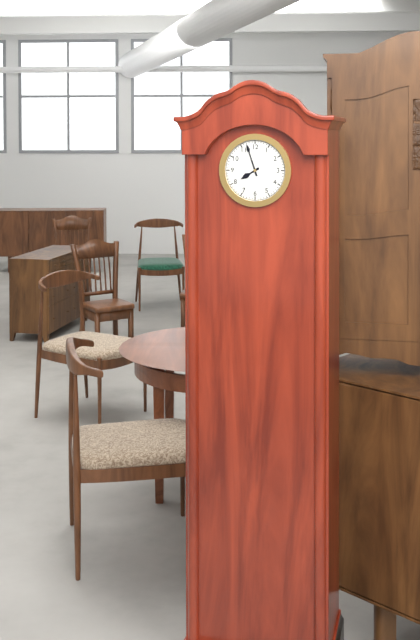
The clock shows 7.57
